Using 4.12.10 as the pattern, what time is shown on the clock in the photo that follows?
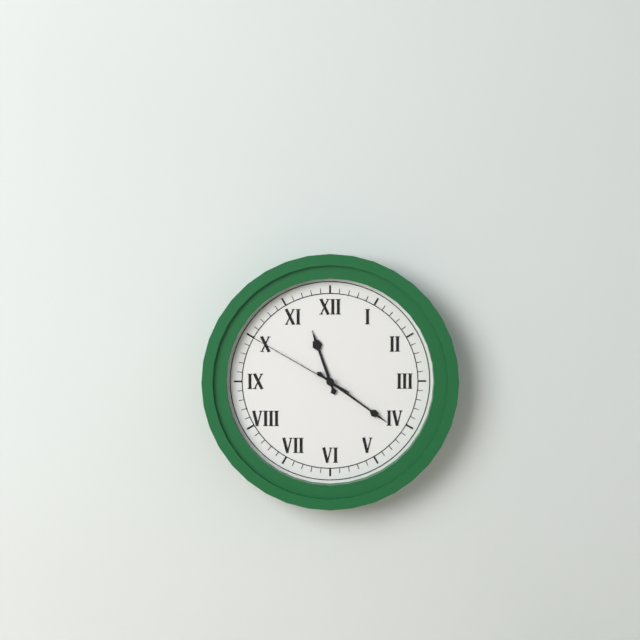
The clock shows 11.21.50
